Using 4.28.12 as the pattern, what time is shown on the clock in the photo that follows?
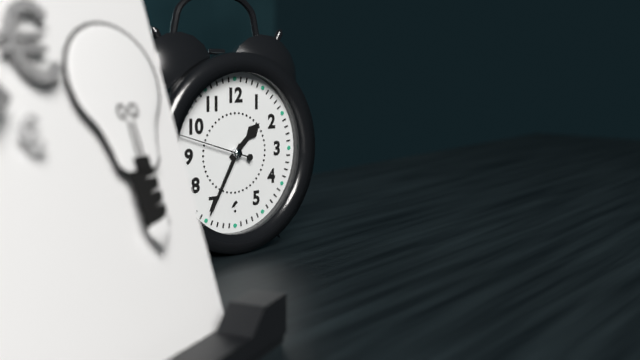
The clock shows 1.35.48
